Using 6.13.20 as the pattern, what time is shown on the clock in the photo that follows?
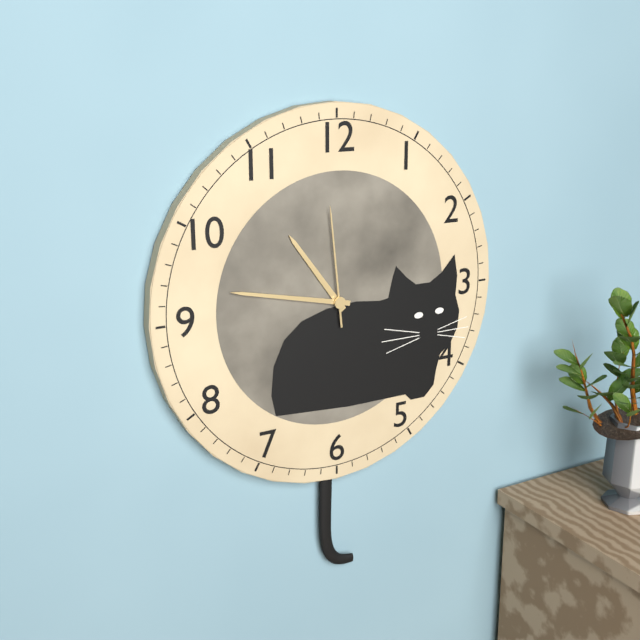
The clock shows 10.47.59
